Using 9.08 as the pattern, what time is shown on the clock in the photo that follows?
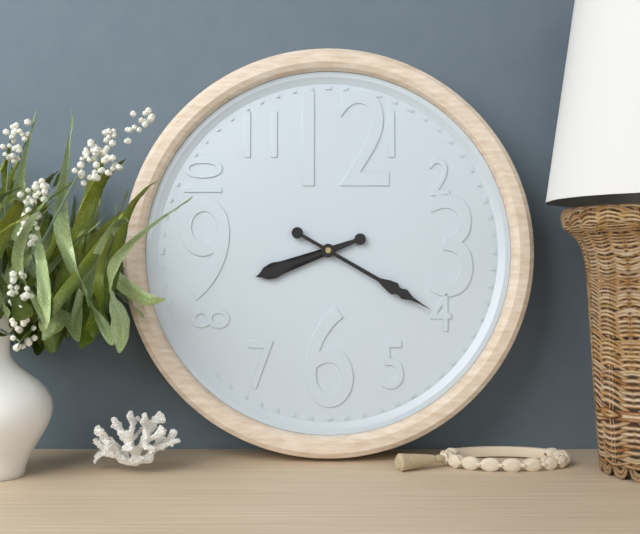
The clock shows 8.20
